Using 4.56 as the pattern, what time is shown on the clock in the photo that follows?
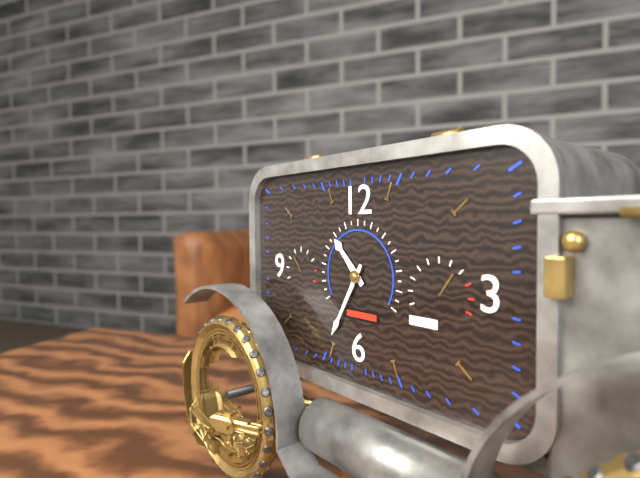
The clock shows 10.35
